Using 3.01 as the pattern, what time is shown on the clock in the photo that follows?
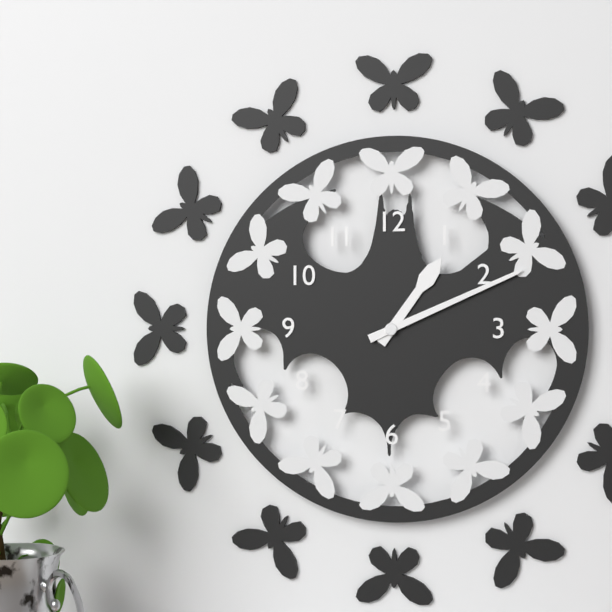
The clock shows 1.11
